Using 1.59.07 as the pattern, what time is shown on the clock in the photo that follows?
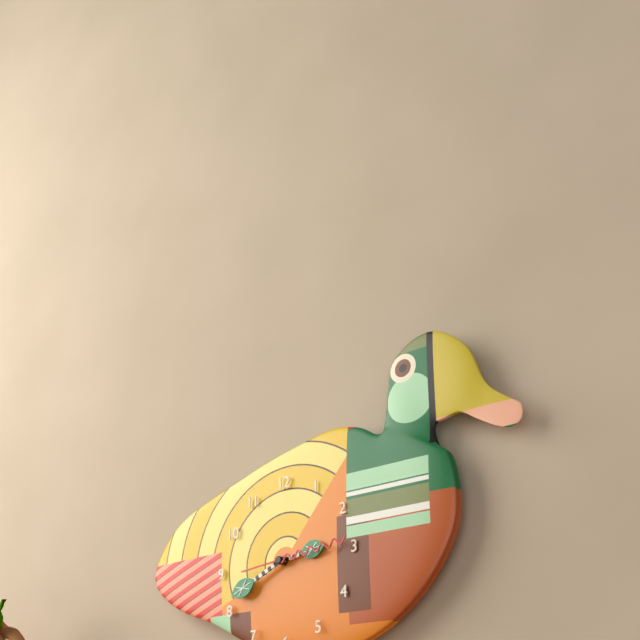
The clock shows 2.41.14
